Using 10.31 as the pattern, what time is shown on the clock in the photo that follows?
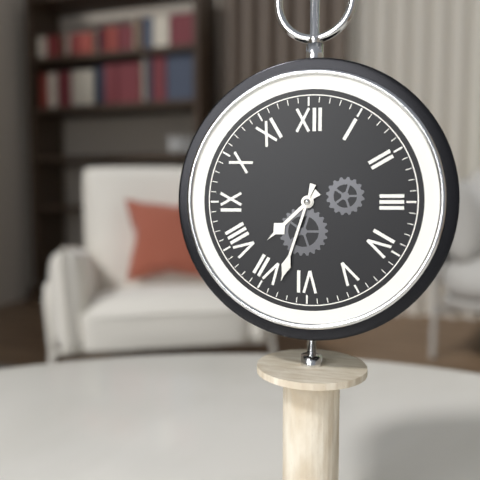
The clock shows 7.33
